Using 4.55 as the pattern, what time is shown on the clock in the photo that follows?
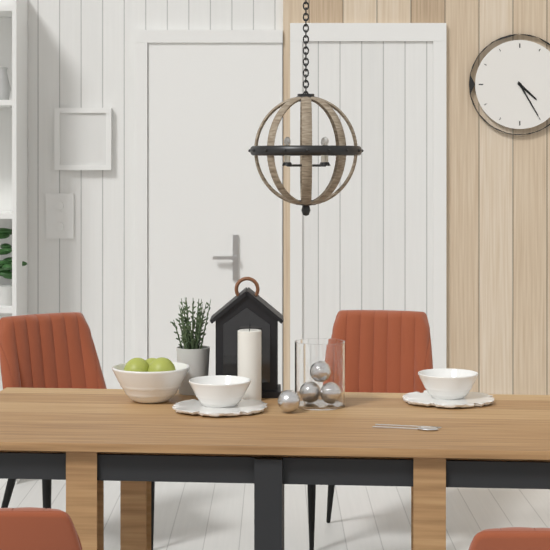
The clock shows 4.25
